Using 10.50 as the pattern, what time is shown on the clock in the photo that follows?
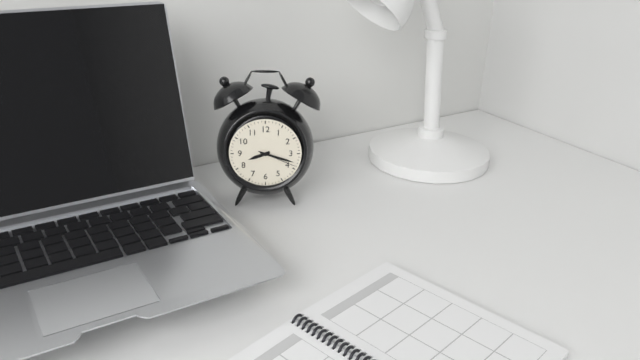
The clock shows 8.18
